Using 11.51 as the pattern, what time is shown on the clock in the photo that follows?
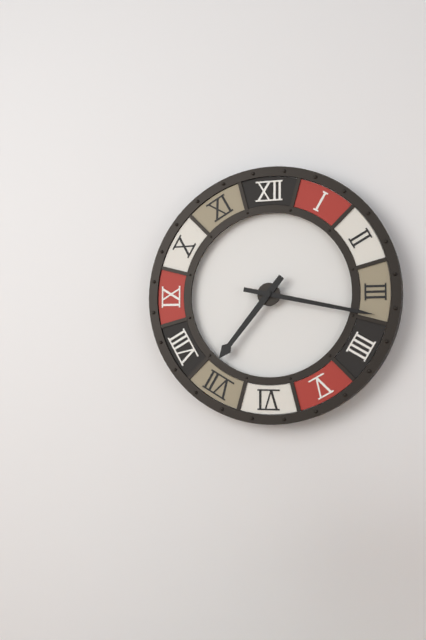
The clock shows 7.17
